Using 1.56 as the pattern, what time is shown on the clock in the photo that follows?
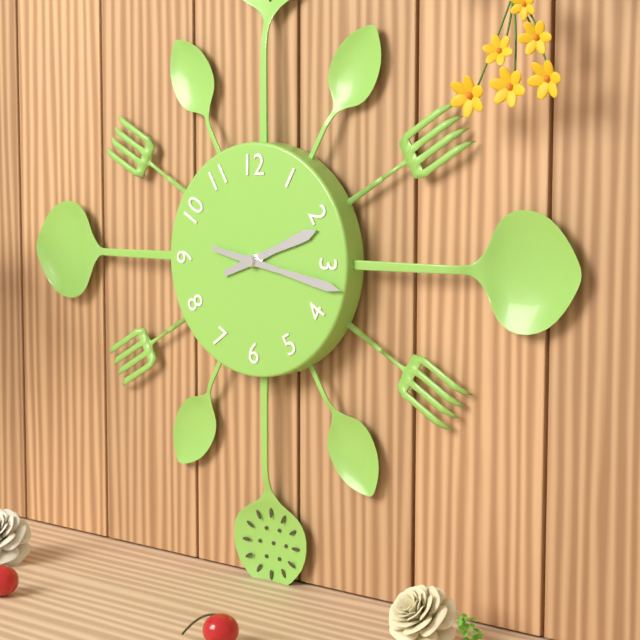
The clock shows 2.17
